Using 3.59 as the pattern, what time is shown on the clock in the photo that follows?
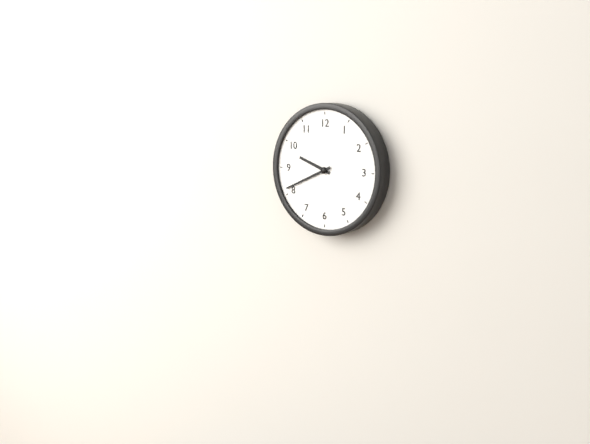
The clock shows 9.41
